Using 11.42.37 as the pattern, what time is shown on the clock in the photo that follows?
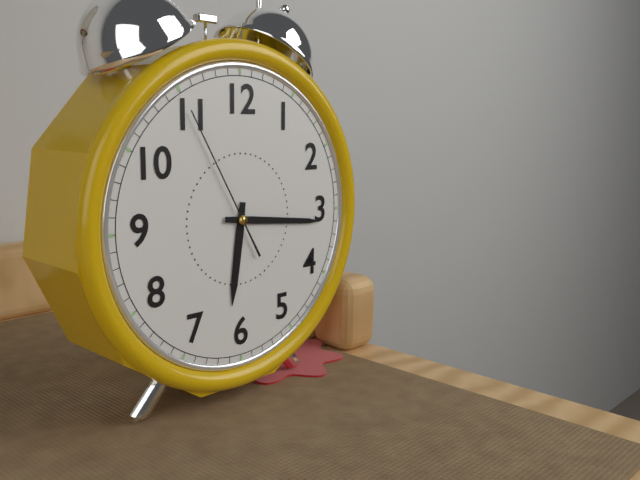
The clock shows 6.16.55
